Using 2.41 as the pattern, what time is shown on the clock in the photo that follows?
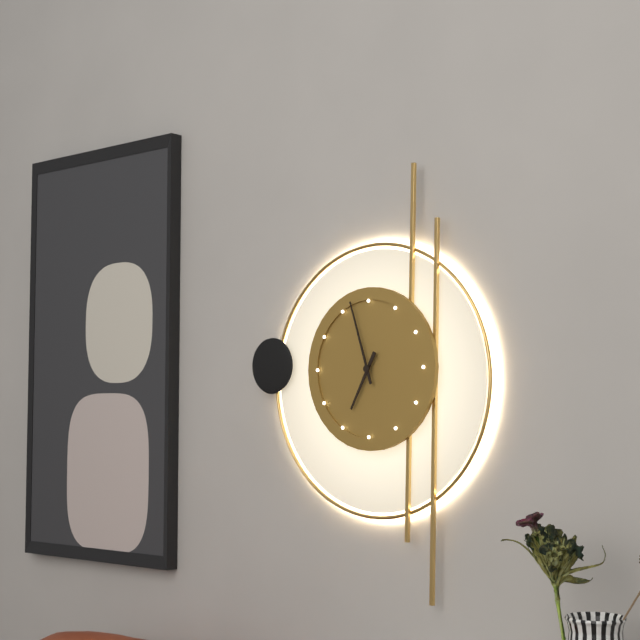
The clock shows 6.57
